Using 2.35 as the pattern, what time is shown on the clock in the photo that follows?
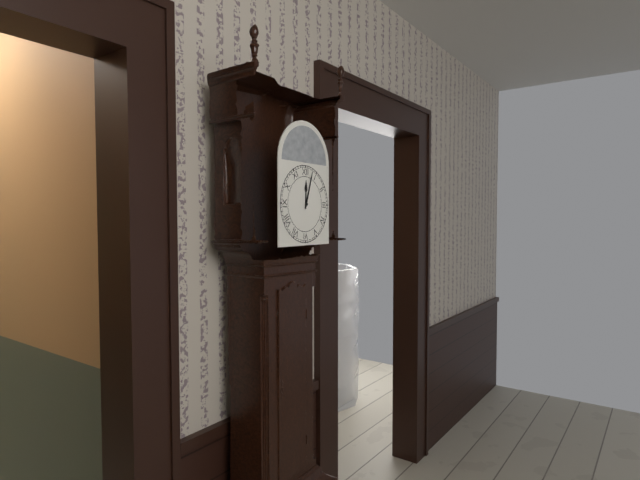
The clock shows 12.03
